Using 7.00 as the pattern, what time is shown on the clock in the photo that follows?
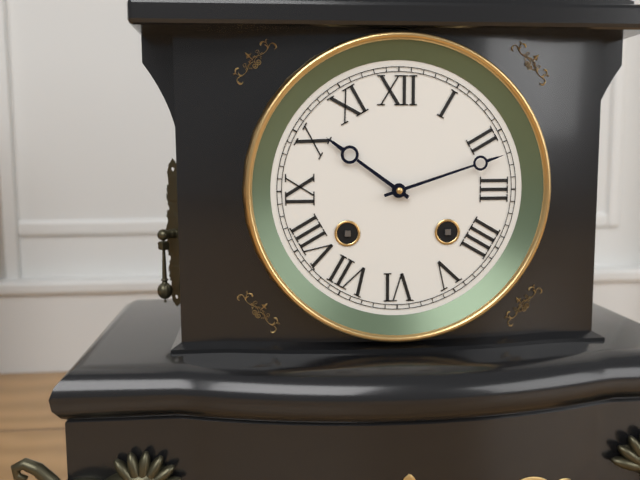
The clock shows 10.12
